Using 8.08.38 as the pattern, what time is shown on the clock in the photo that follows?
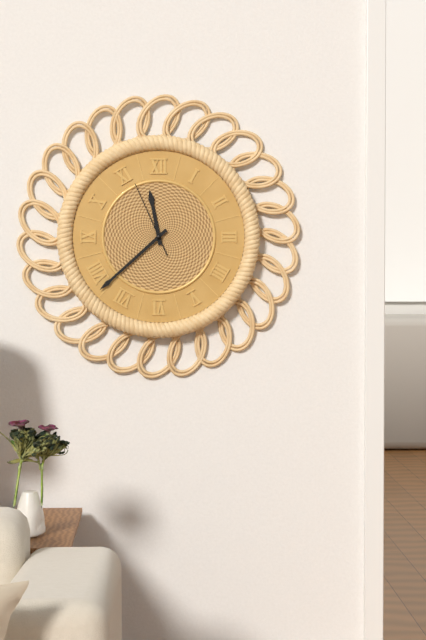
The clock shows 11.38.56
